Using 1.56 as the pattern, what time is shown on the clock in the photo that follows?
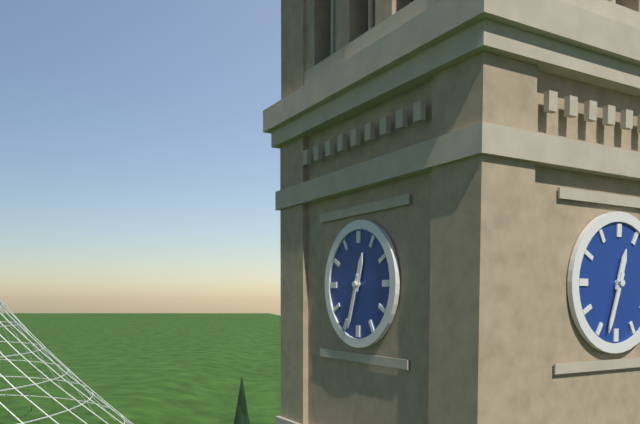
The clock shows 12.33
